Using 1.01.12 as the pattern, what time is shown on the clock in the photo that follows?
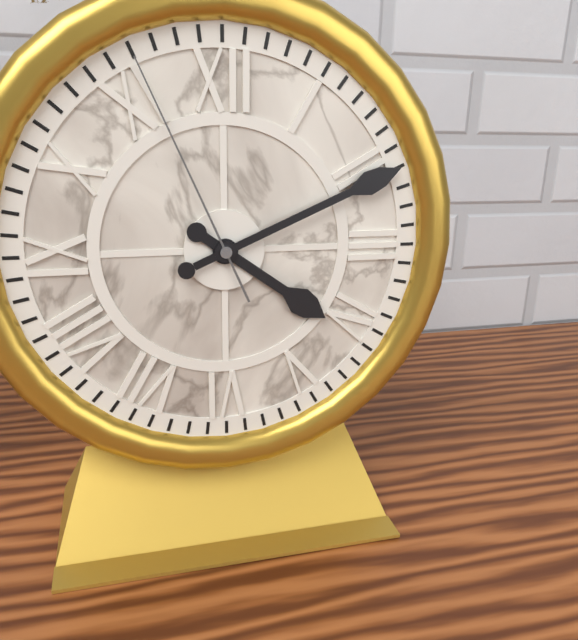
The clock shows 4.11.56
